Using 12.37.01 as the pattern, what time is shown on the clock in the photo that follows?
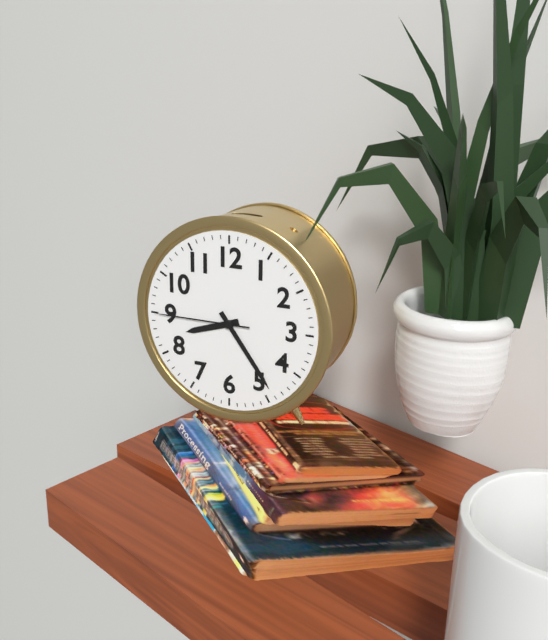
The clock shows 8.24.45
